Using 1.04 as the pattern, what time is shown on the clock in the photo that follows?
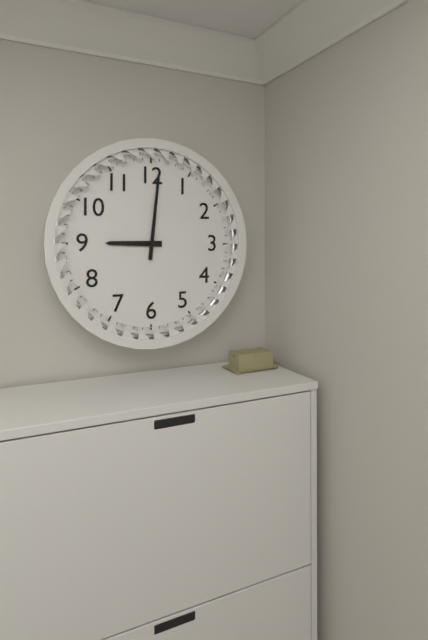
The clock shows 9.01
